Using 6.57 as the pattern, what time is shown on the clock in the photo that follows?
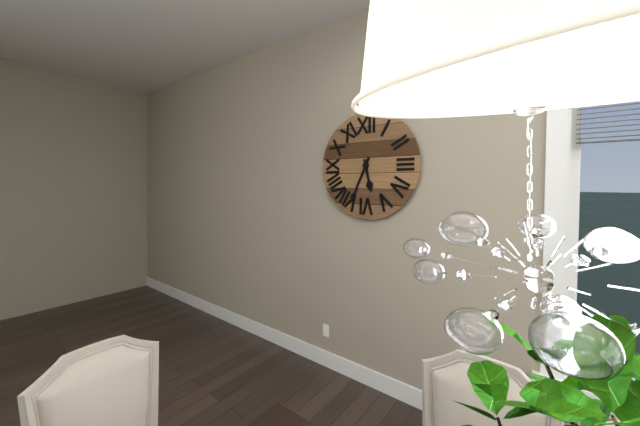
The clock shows 5.34
